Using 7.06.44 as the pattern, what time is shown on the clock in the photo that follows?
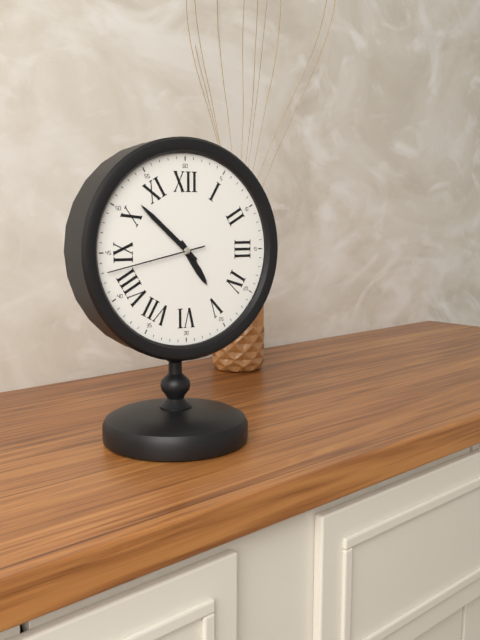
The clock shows 4.52.43
